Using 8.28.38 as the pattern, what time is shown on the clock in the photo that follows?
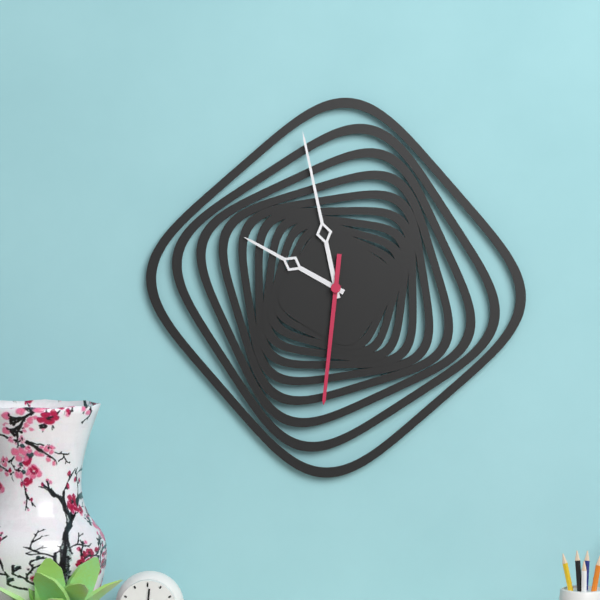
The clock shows 9.58.31
